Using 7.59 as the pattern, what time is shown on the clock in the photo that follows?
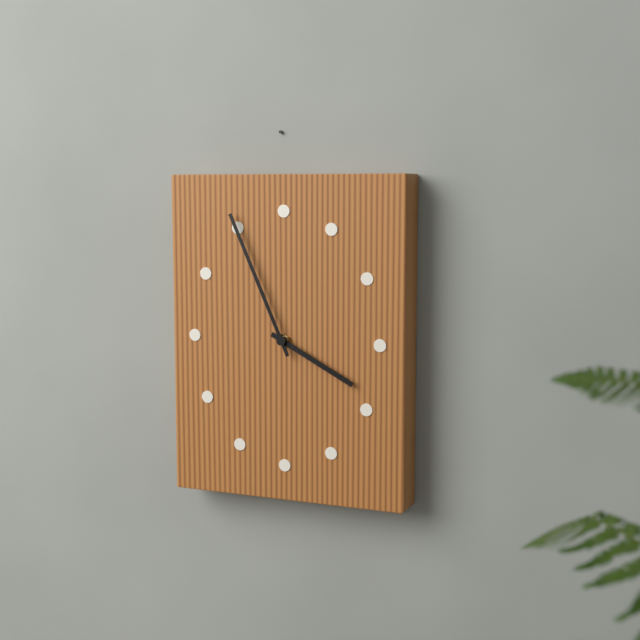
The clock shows 3.56
